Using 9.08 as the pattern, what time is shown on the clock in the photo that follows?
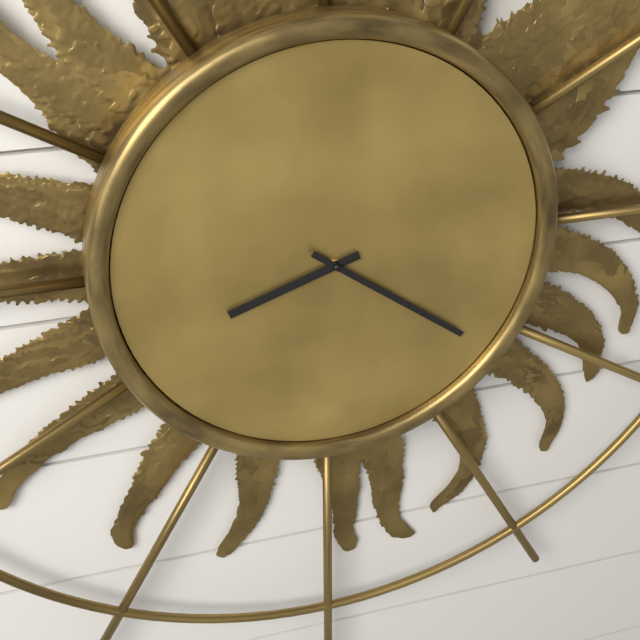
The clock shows 8.21
